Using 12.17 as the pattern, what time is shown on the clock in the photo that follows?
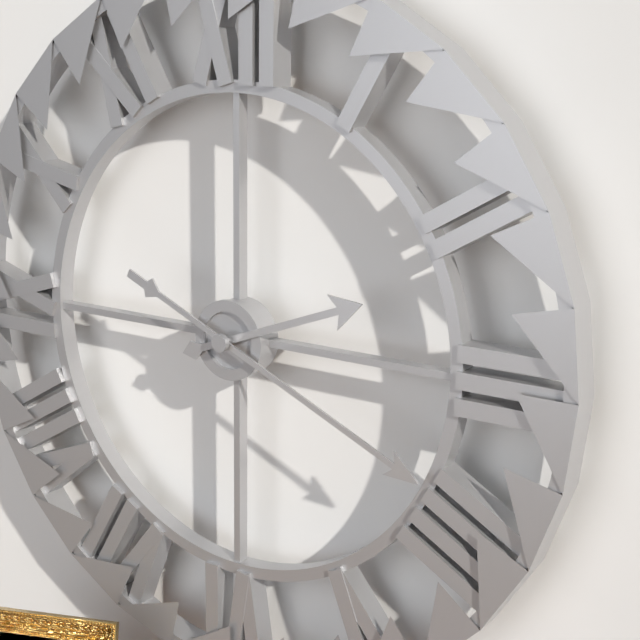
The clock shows 2.19
